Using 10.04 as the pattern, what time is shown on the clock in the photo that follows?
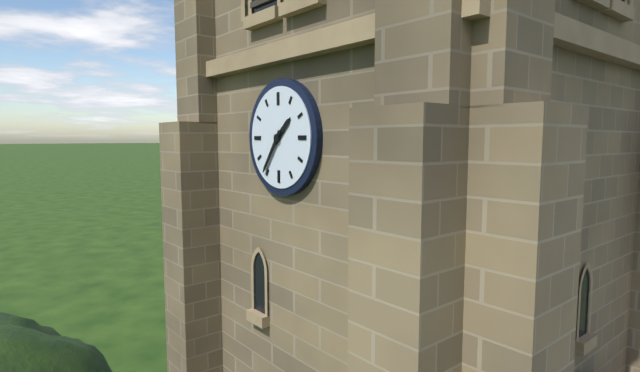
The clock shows 1.36
